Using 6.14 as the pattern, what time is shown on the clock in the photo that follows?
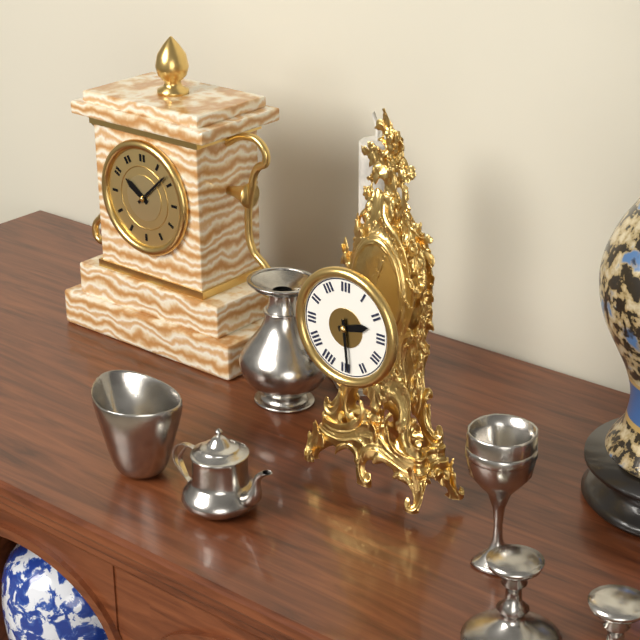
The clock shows 2.29
